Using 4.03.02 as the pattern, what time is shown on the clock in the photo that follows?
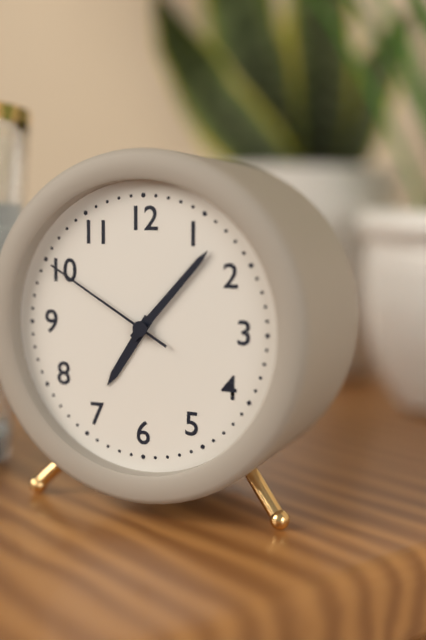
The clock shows 7.07.50
